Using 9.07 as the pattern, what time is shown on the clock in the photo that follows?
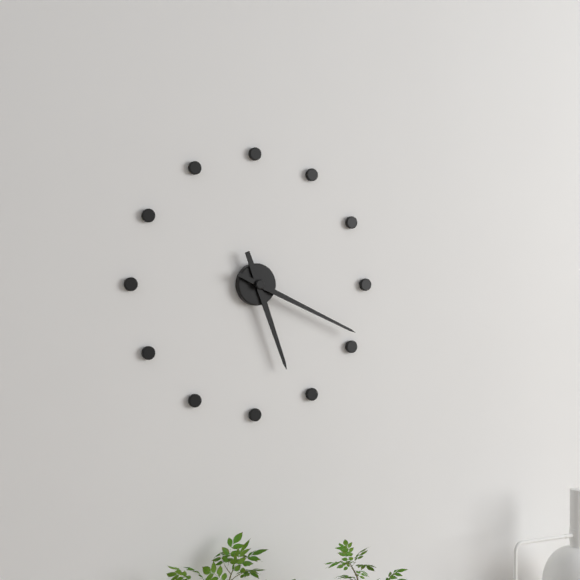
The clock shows 5.19
